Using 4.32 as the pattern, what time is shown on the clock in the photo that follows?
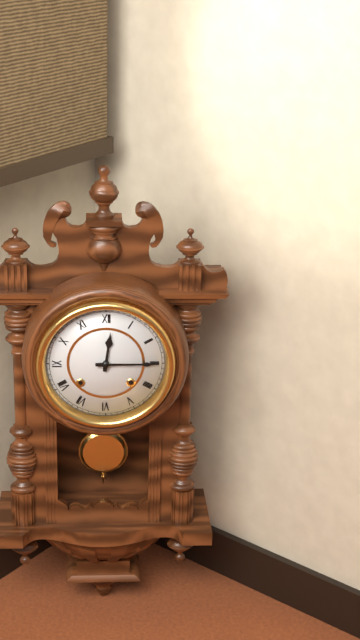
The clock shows 12.15
